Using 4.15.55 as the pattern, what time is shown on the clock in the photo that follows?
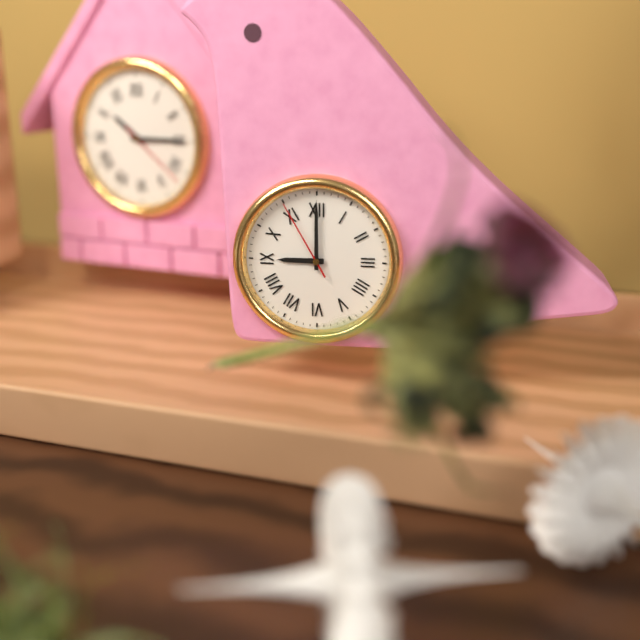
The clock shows 9.00.55
